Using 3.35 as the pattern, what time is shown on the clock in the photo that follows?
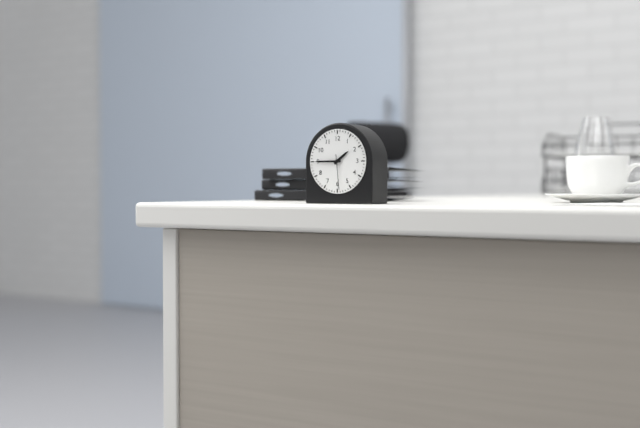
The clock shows 1.45
